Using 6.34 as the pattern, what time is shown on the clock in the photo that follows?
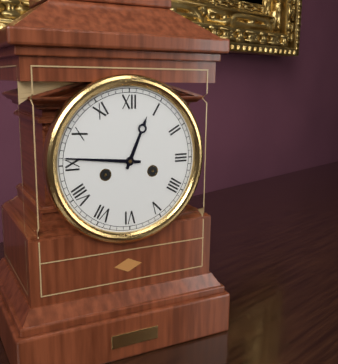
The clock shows 12.46
